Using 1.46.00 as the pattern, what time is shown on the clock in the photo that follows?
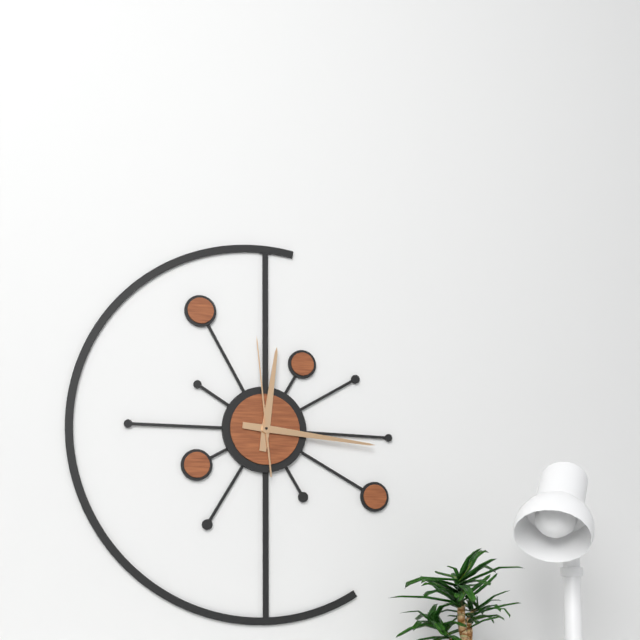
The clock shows 12.16.59
